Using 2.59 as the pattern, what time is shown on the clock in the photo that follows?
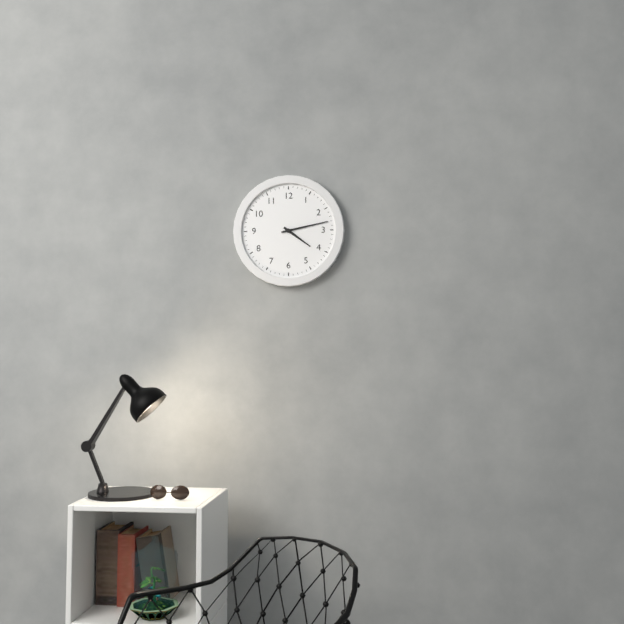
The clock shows 4.13
